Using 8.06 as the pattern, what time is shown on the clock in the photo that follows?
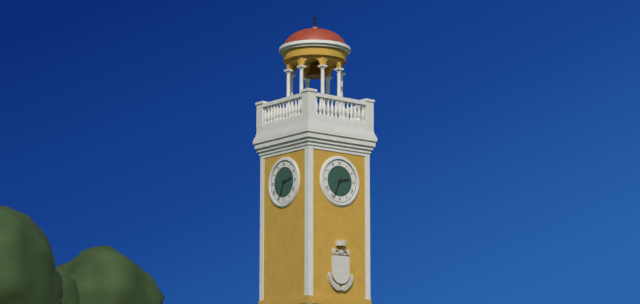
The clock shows 2.34
